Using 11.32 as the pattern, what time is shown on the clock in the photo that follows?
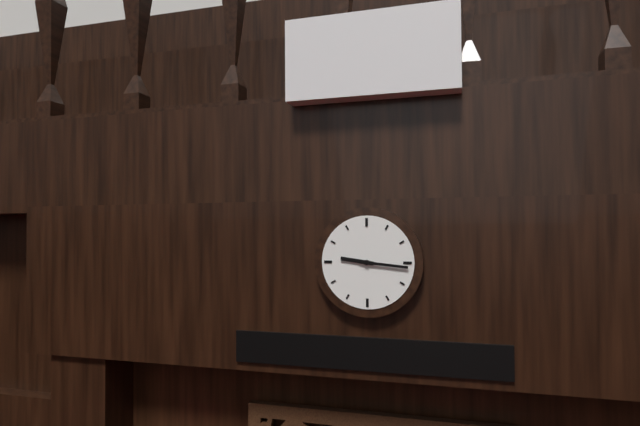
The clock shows 9.16
